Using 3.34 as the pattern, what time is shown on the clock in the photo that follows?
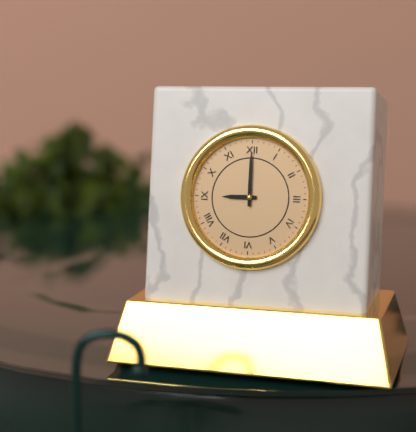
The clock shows 9.00
